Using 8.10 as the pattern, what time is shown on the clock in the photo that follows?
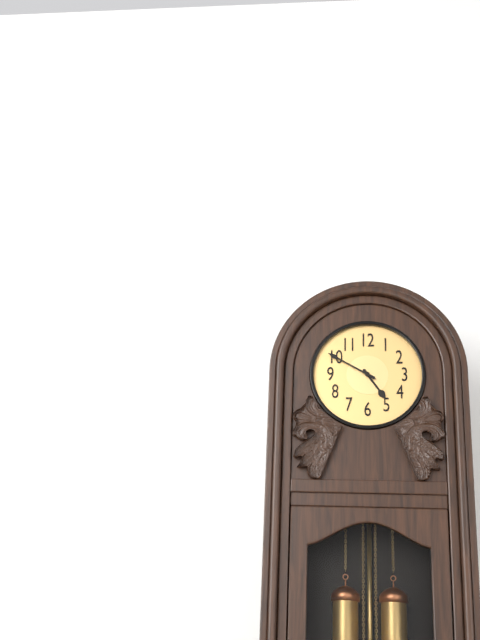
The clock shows 4.50
